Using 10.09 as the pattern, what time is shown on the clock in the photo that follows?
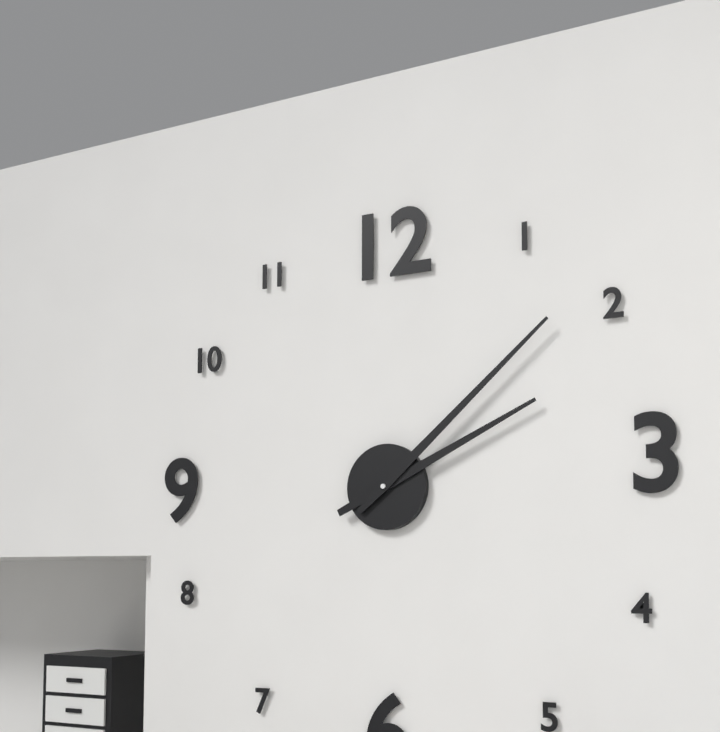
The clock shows 2.08
